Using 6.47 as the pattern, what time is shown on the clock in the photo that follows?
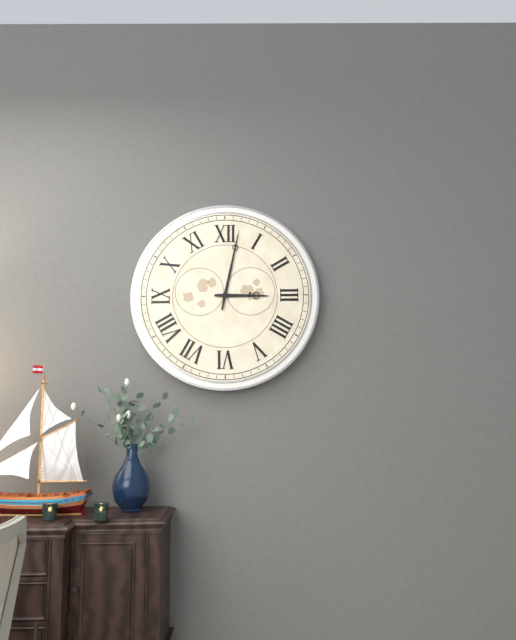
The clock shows 3.02
